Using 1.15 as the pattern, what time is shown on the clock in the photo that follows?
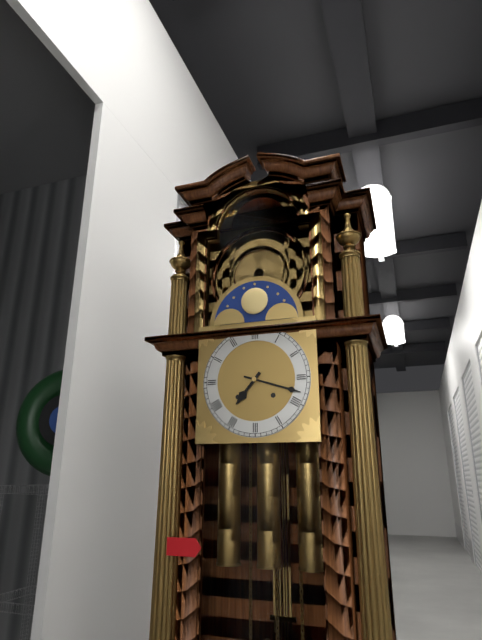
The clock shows 7.18
